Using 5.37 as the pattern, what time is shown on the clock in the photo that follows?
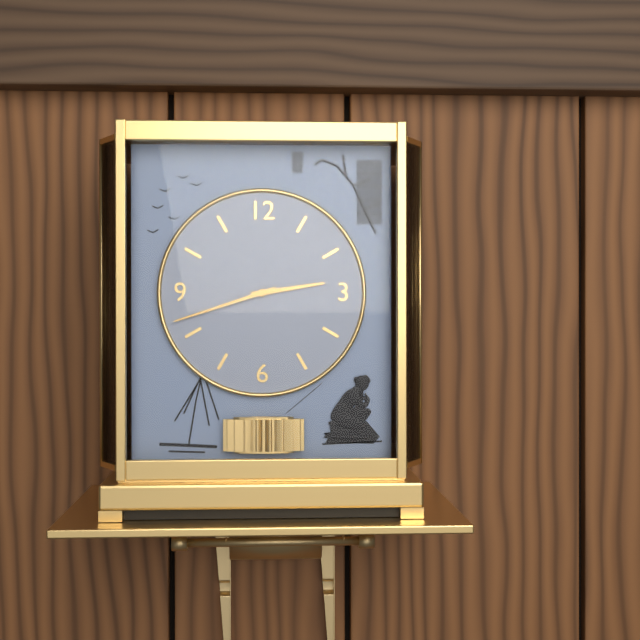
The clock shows 2.42
